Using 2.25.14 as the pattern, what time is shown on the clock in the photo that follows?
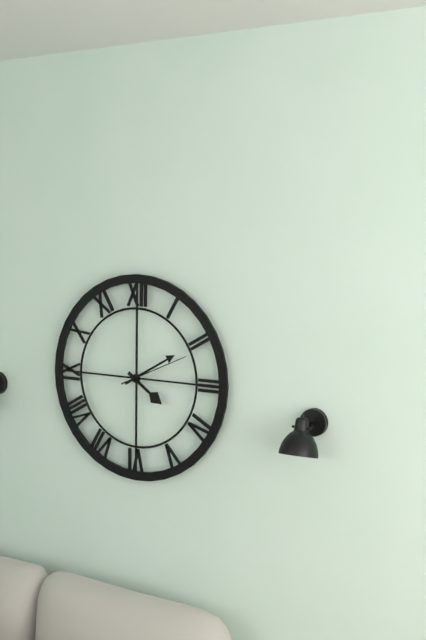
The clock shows 4.10.11
